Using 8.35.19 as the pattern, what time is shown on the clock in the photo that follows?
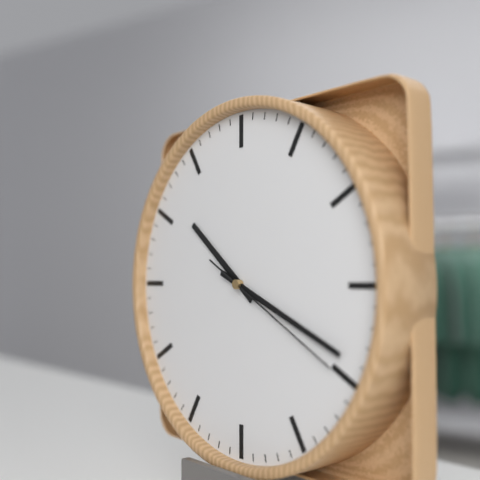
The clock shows 10.19.20
